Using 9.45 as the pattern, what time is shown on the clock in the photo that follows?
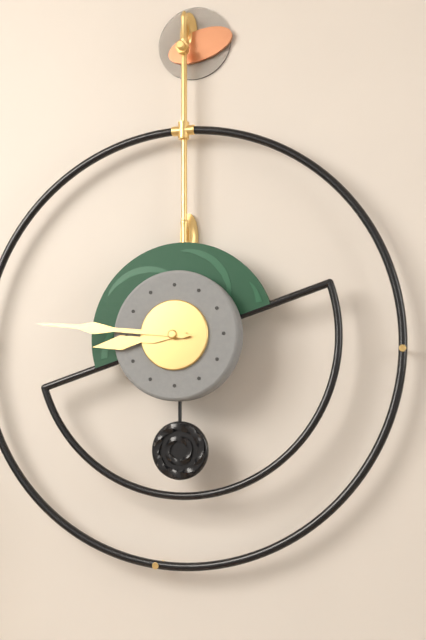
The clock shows 8.46
